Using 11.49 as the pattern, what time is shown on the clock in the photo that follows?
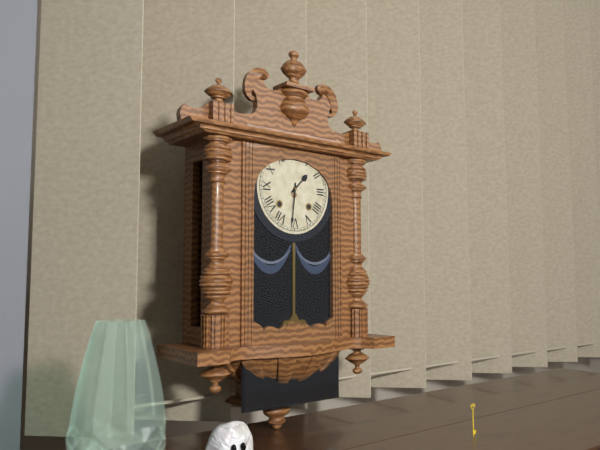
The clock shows 1.31
